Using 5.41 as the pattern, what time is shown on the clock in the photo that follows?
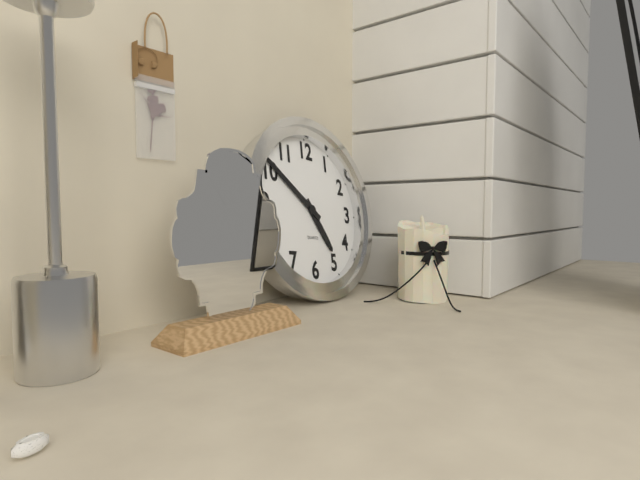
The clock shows 4.51
